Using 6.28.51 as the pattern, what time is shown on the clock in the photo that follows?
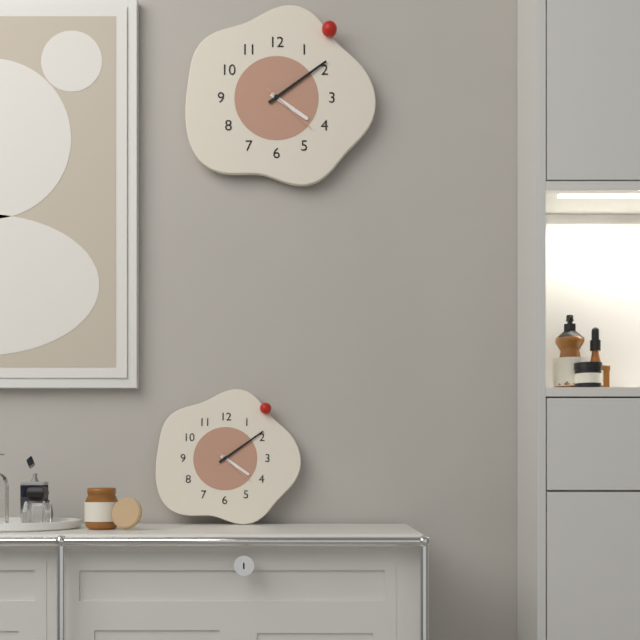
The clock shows 4.09.22
